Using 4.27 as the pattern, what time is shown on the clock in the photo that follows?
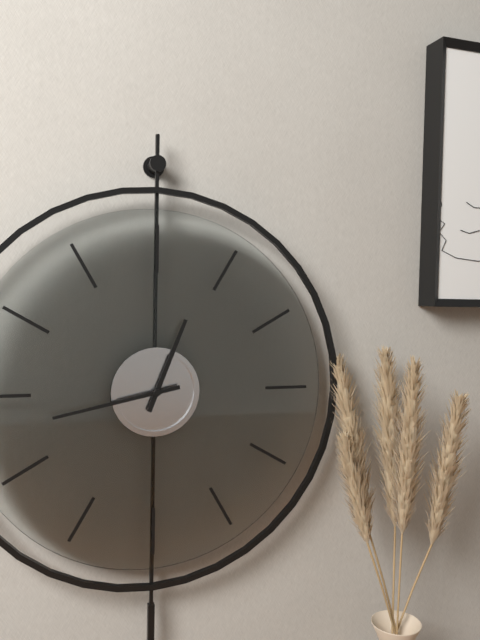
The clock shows 12.43
